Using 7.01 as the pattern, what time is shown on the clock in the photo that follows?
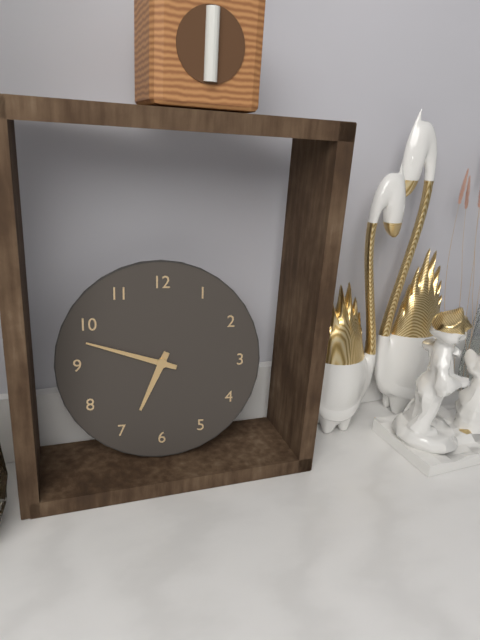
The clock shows 6.48
